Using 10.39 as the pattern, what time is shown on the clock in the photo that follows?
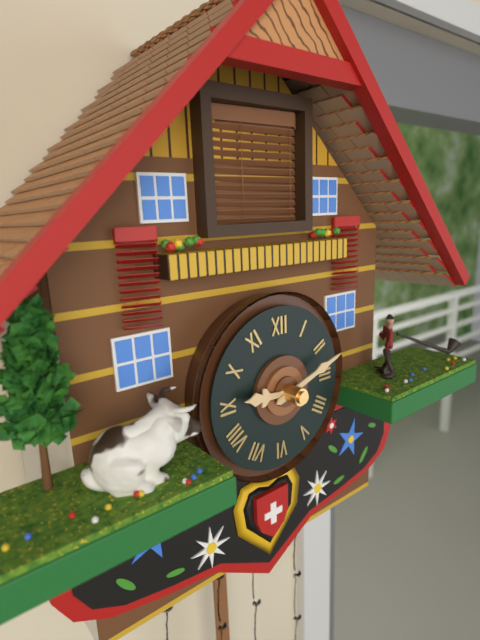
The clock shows 9.12
